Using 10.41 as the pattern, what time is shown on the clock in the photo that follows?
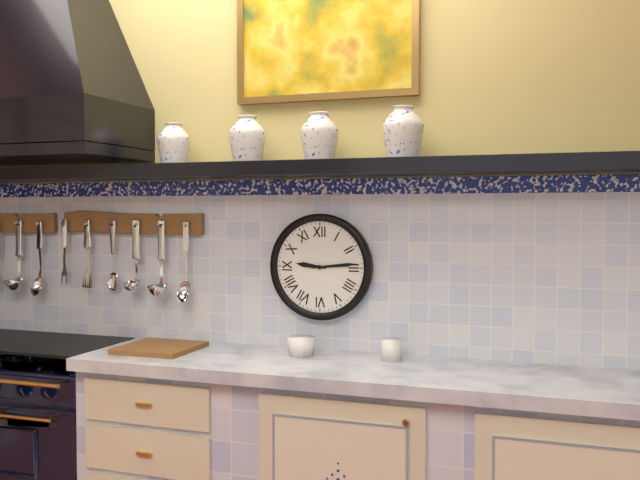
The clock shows 9.14
